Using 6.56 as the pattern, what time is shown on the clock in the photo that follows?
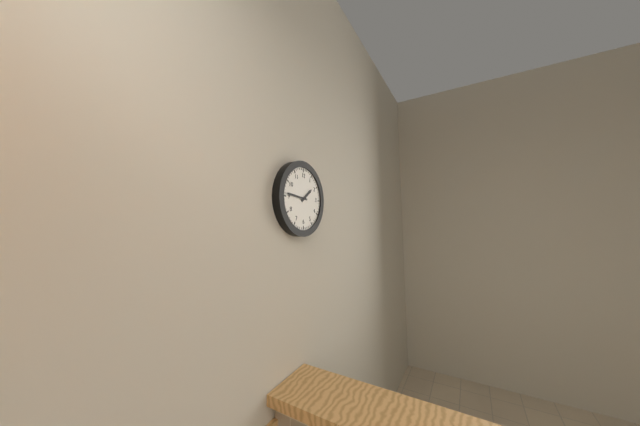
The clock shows 1.46
